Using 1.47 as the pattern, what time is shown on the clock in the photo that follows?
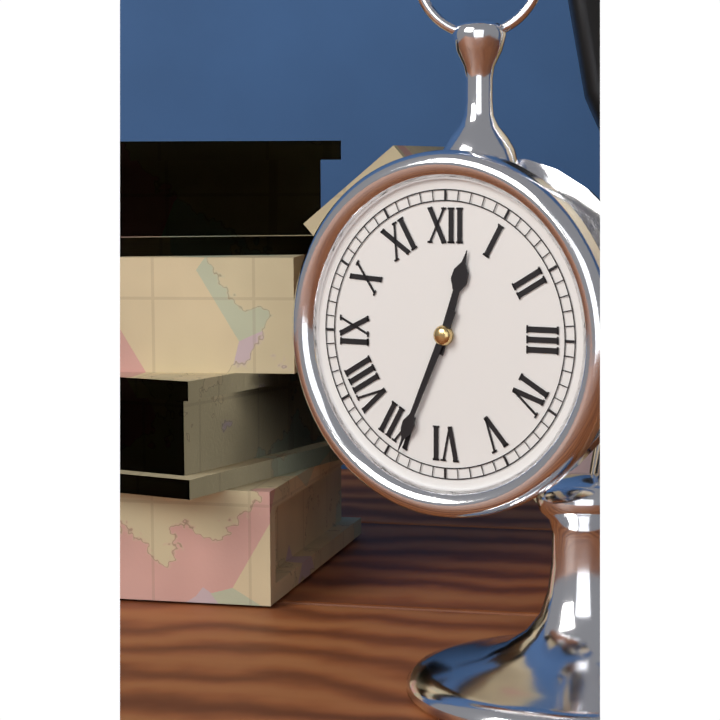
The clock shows 12.34
